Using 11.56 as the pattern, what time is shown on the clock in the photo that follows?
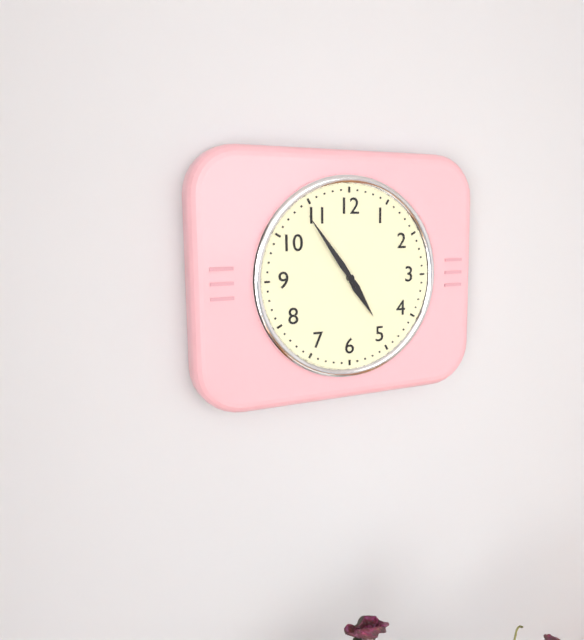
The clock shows 4.54
